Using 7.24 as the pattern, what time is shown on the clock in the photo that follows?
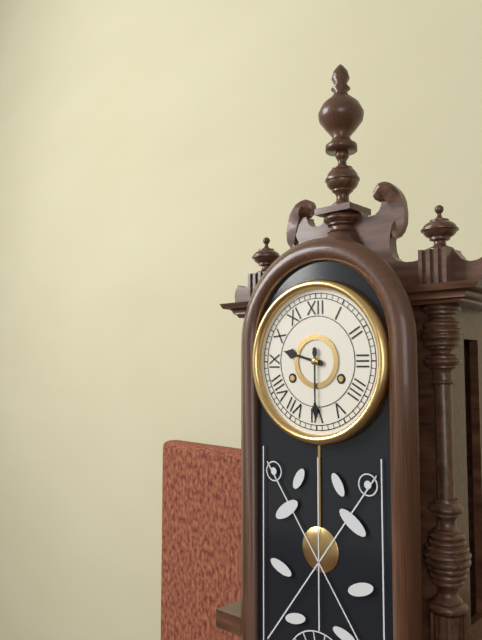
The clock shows 9.30
